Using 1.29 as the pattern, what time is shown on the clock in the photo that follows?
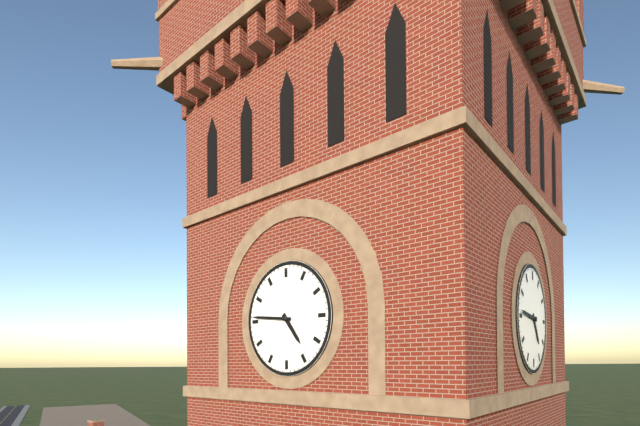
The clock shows 4.46
